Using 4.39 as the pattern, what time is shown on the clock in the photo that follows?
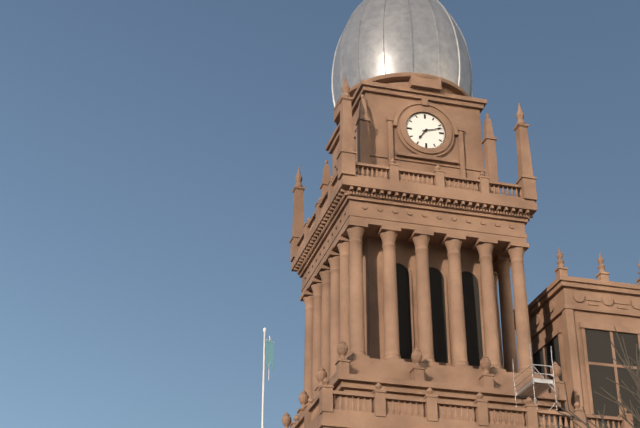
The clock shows 7.12
